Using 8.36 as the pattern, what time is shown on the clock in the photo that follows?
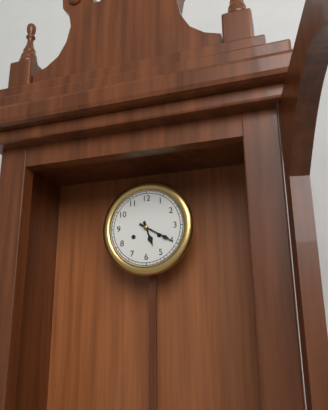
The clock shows 5.20
